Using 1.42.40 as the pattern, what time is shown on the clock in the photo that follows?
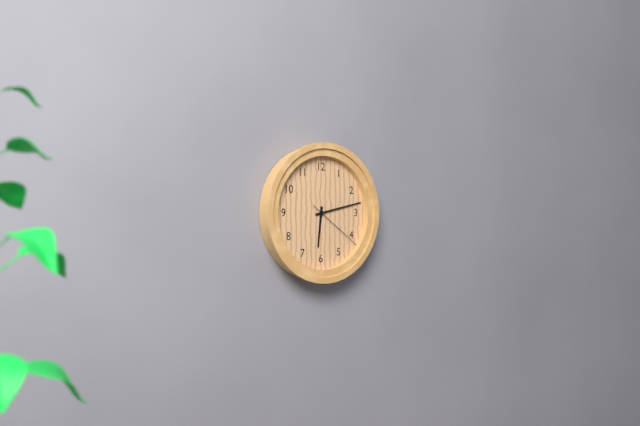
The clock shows 6.13.21
